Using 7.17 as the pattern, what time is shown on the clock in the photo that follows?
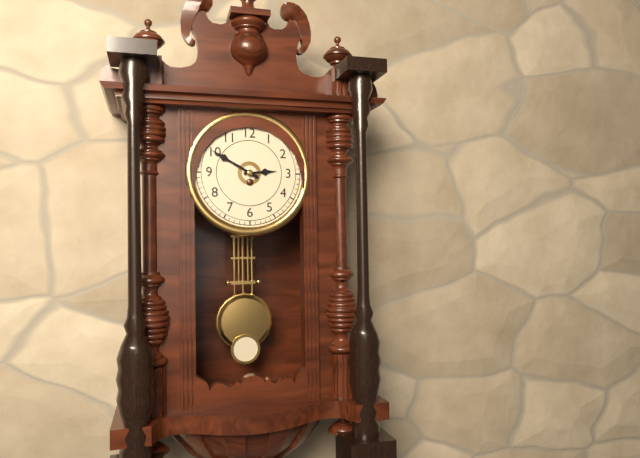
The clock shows 2.50
